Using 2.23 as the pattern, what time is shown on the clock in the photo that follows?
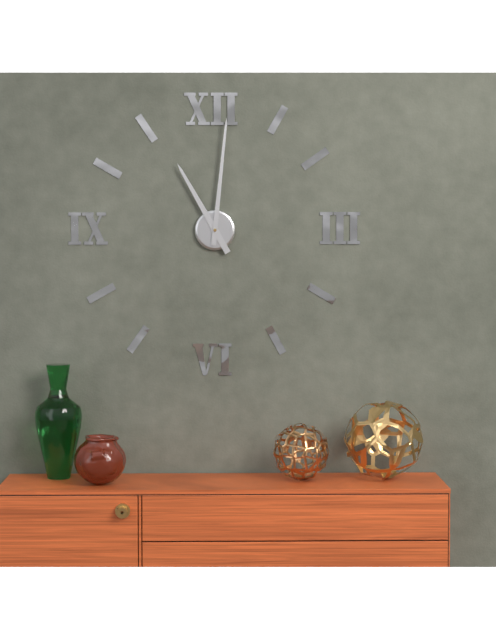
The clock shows 11.01
